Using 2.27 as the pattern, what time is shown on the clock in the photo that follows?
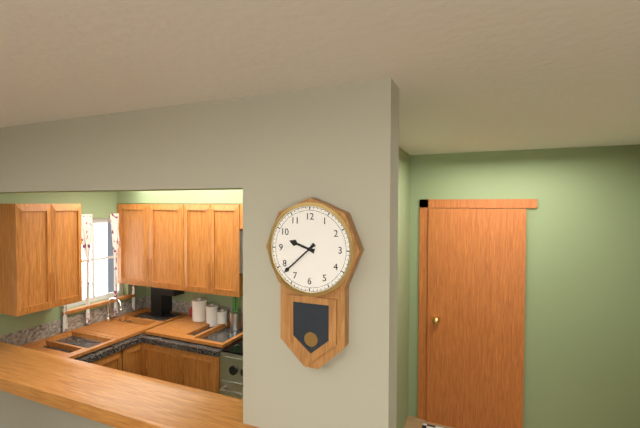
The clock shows 9.38
